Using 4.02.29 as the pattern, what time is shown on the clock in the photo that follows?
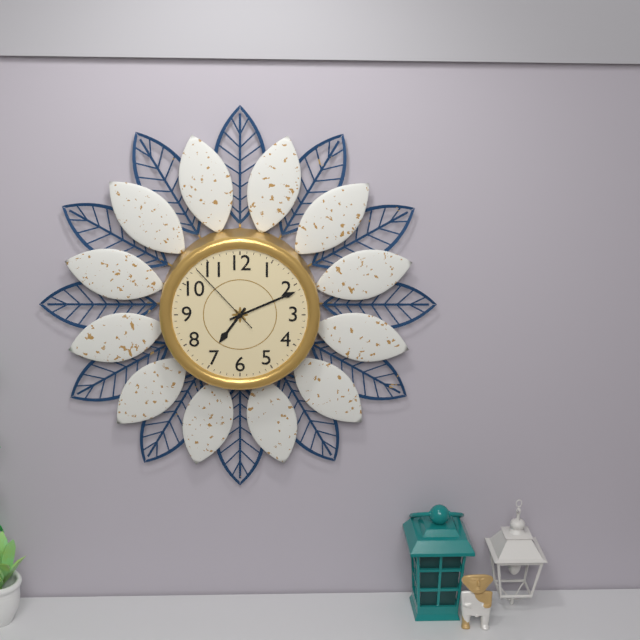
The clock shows 7.11.53
